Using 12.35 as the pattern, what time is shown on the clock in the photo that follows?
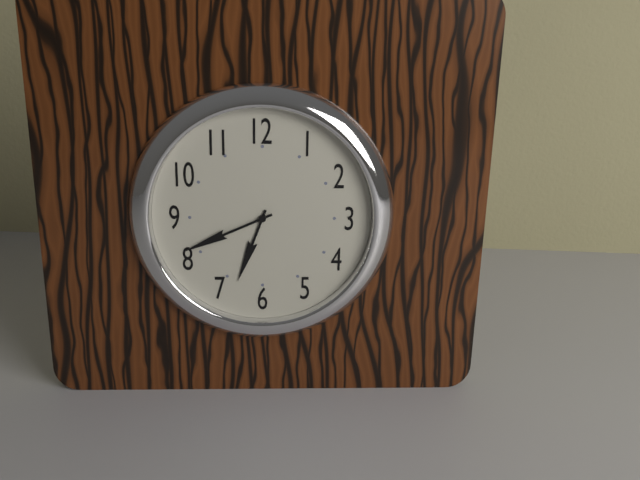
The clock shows 6.41
